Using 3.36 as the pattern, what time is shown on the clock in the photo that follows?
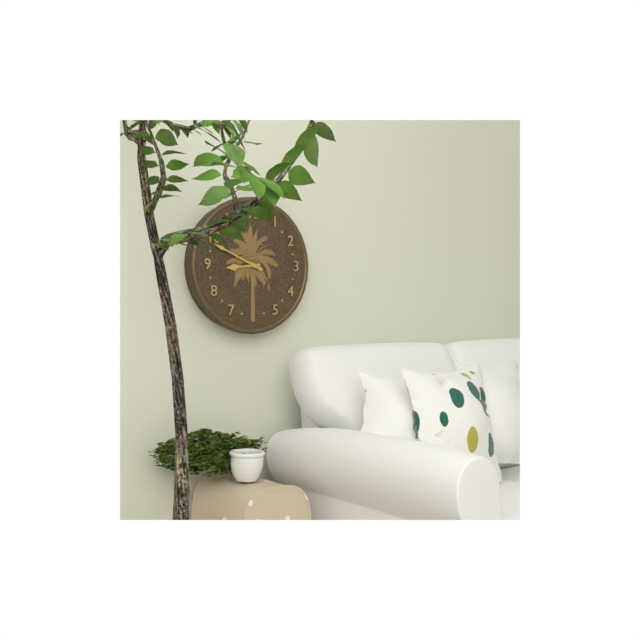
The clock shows 8.49
